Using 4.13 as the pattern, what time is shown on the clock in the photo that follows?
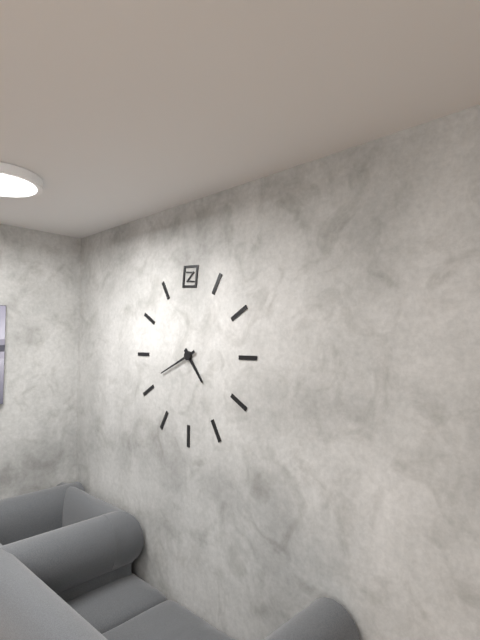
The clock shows 4.41
